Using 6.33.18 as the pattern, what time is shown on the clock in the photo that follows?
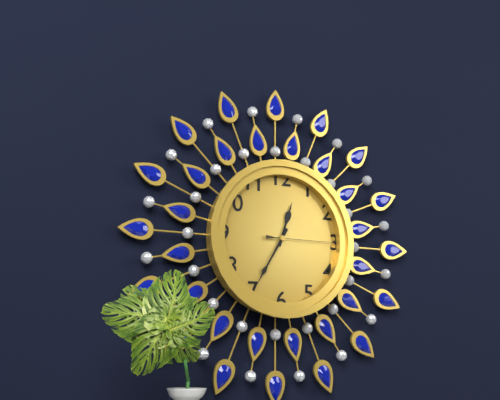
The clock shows 12.35.15
